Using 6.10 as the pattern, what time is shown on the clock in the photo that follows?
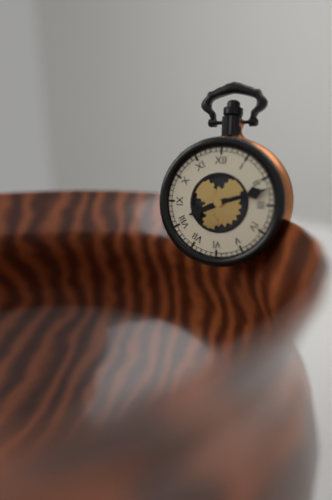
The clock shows 8.12
